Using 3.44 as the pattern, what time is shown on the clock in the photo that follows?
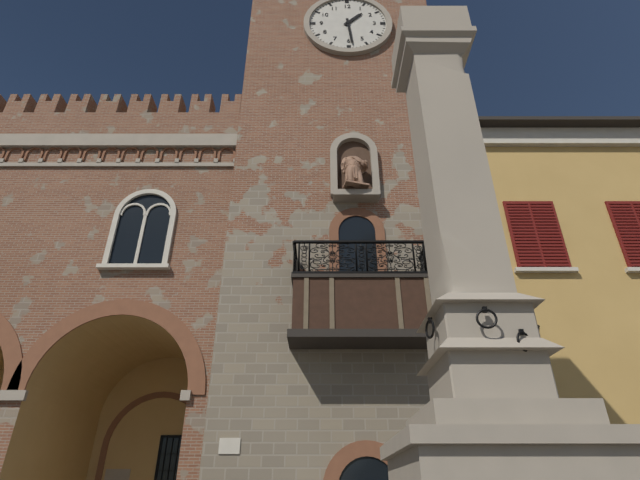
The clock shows 1.29
